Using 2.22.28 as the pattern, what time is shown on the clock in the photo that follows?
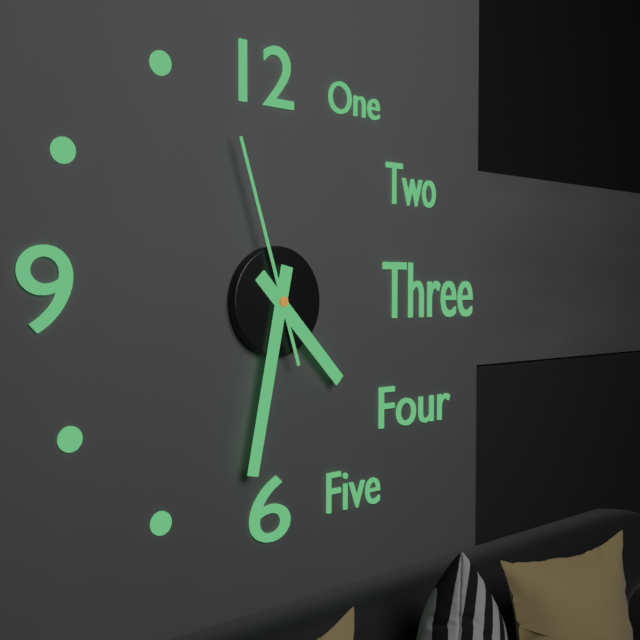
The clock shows 4.32.57
